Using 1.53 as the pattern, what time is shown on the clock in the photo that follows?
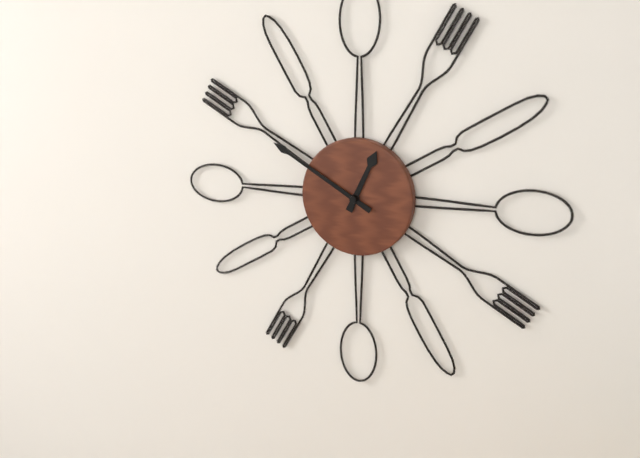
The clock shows 12.50
